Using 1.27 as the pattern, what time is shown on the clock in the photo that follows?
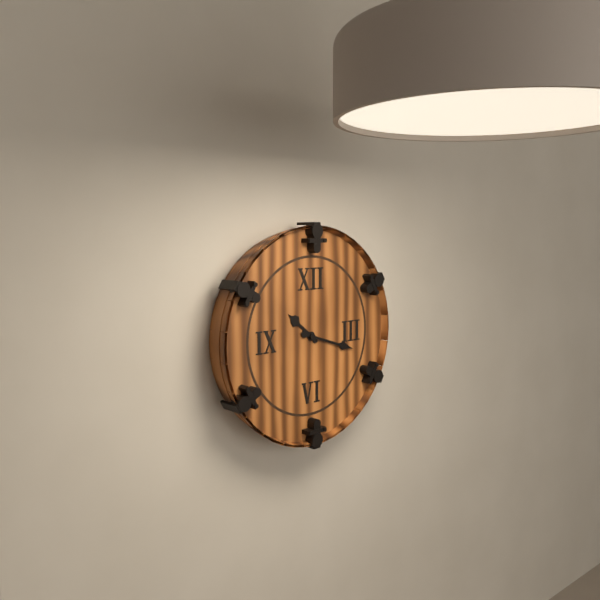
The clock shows 10.18
